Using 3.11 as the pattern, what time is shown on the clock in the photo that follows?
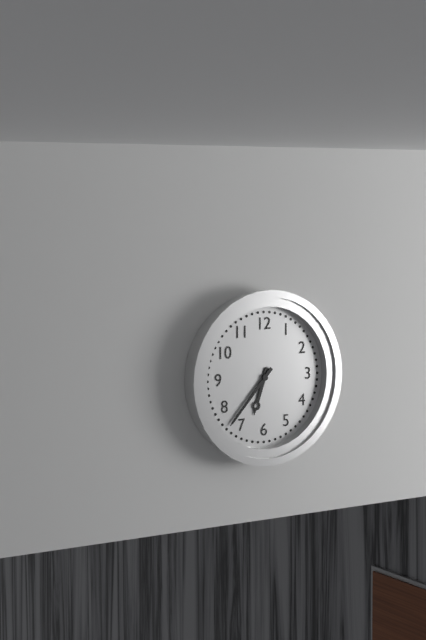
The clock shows 6.37
